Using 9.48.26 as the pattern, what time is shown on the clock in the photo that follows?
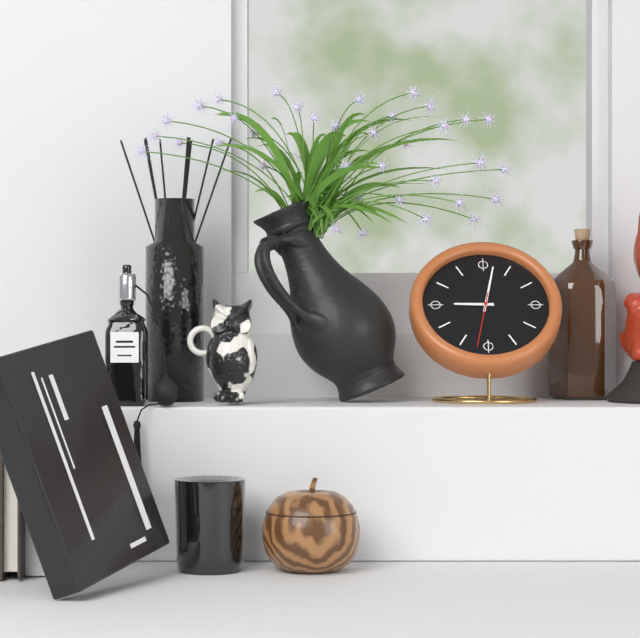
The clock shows 9.02.32
